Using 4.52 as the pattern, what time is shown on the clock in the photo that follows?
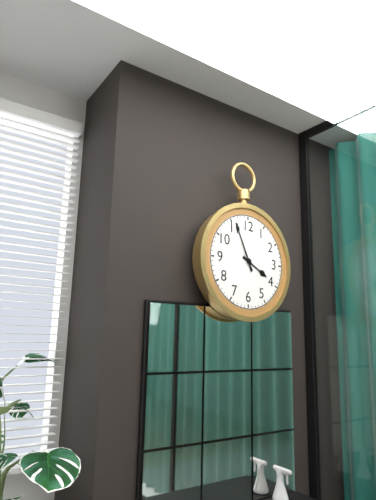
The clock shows 3.56
